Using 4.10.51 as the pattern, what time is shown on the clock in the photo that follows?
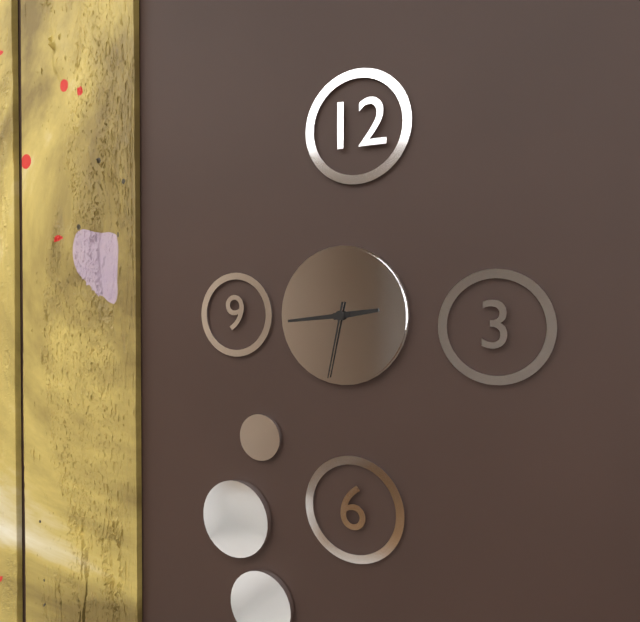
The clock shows 2.44.32
